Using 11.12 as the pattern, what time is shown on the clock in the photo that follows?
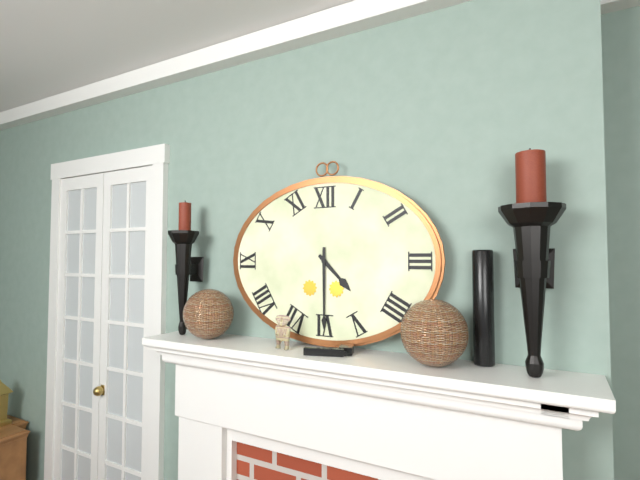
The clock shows 4.30
